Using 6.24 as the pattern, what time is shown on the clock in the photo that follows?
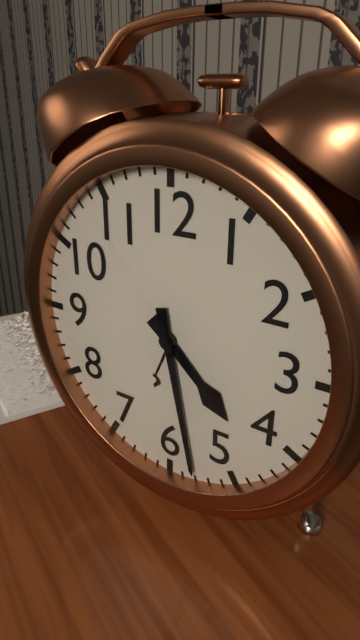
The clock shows 4.28
